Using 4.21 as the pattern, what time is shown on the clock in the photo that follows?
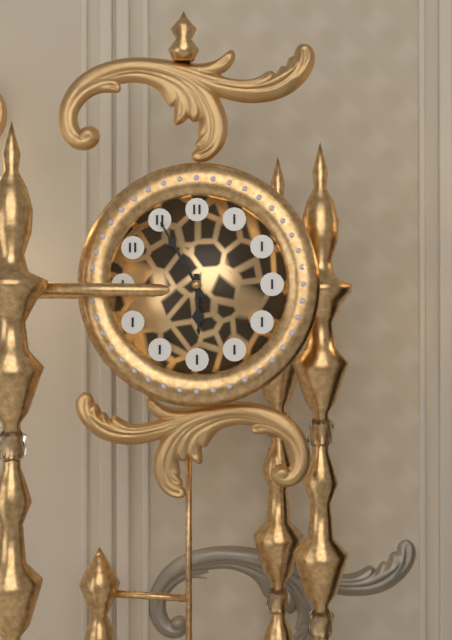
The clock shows 5.55
